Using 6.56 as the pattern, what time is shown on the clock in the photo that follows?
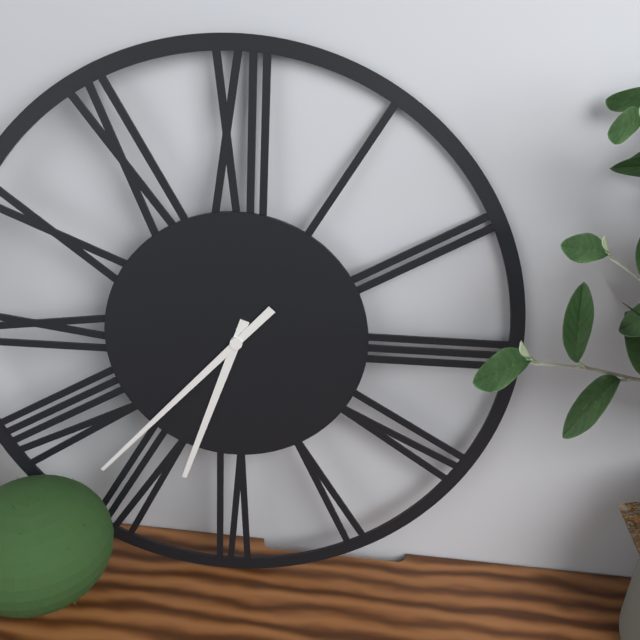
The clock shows 6.37
